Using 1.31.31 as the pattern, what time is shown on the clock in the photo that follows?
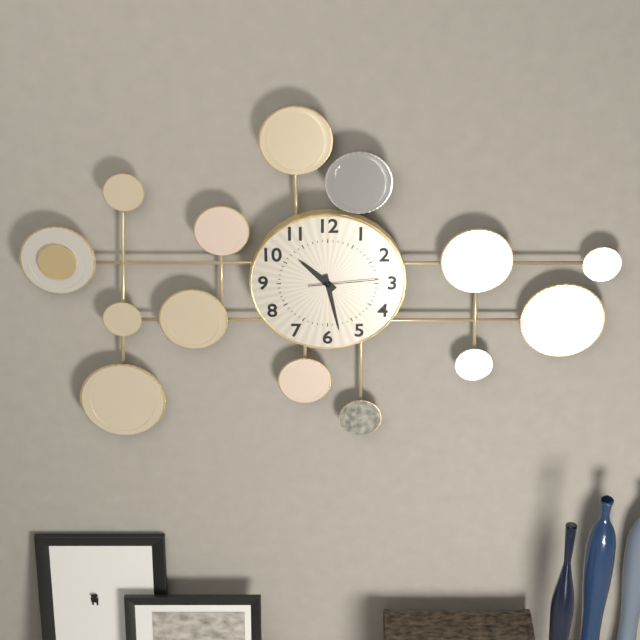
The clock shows 10.28.14
